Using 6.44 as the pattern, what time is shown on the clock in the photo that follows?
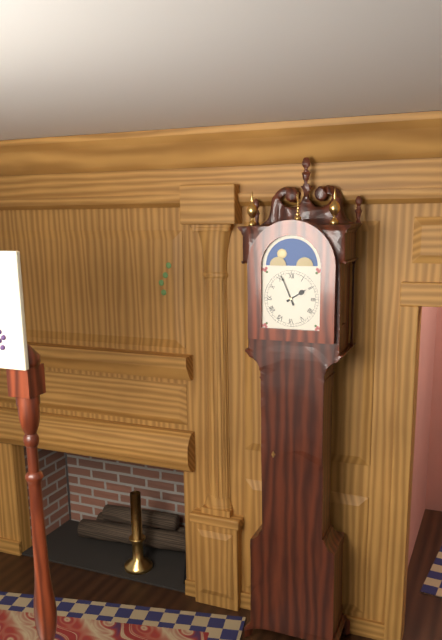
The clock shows 1.56
